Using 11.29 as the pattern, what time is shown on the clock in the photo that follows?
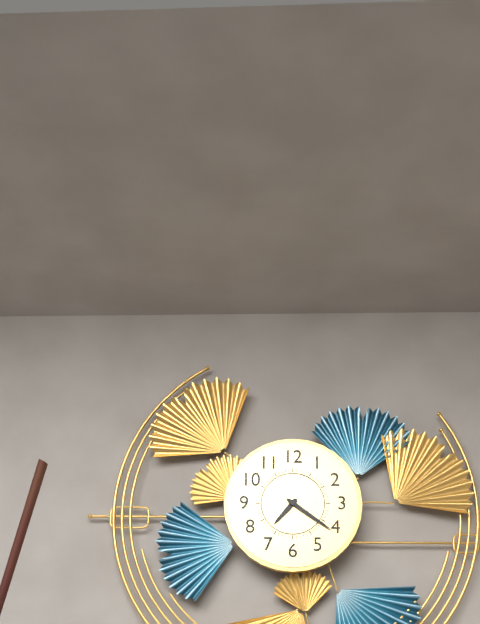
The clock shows 7.21
